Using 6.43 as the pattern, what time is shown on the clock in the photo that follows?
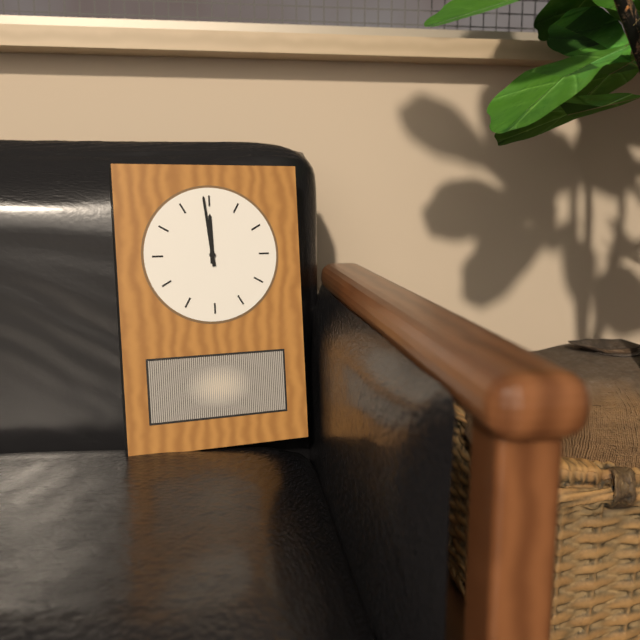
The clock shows 11.59
